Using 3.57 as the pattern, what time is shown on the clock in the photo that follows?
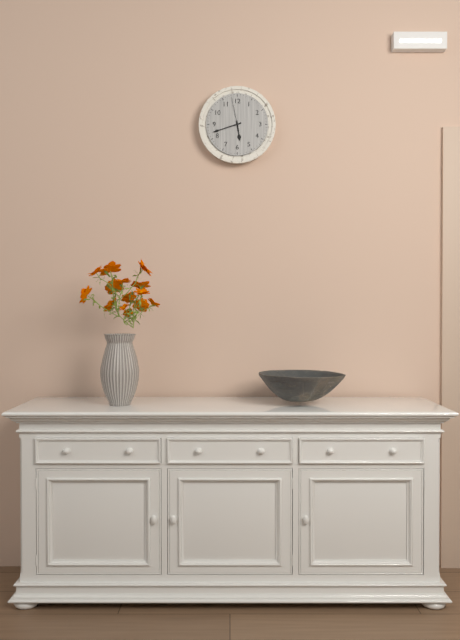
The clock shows 5.42
